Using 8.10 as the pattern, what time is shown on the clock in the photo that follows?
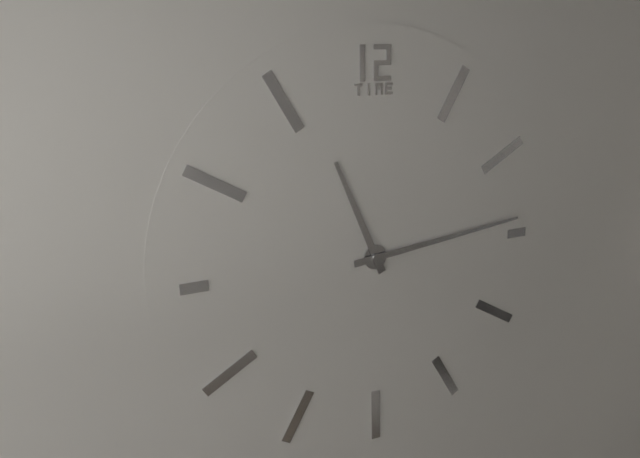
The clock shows 11.14
